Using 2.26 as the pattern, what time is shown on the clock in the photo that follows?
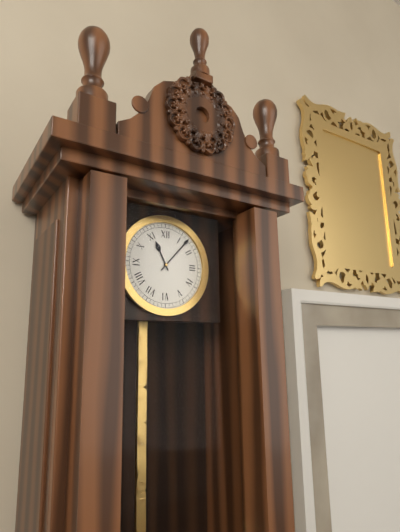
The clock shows 11.07
